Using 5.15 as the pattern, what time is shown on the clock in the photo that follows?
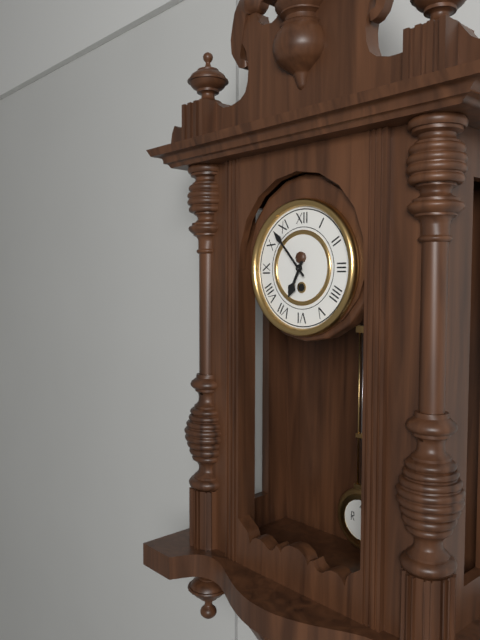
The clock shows 6.53
